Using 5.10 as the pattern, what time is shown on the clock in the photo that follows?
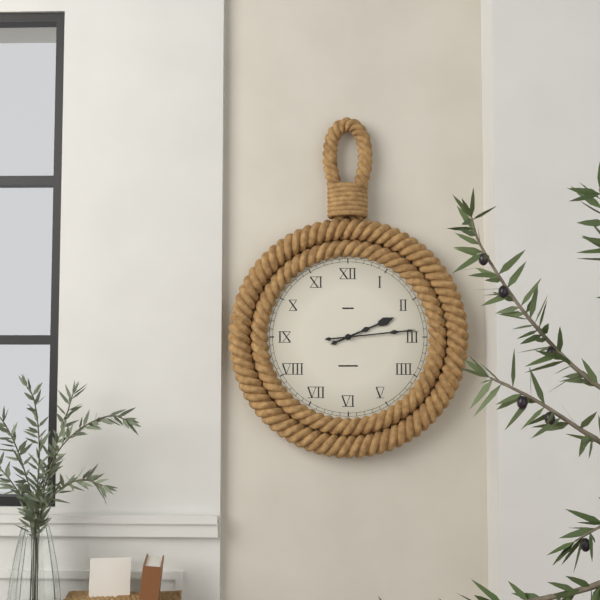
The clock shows 2.14
